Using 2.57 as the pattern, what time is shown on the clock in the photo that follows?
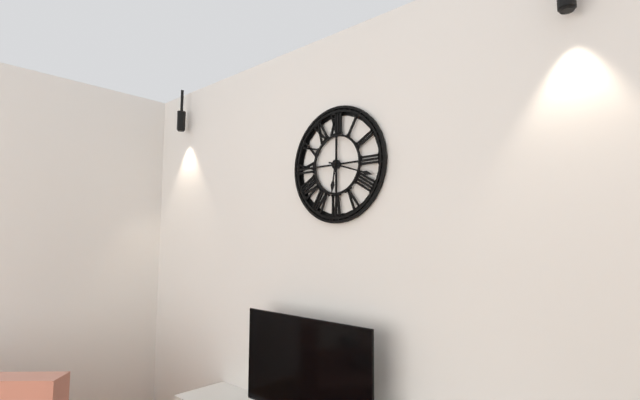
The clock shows 6.18
